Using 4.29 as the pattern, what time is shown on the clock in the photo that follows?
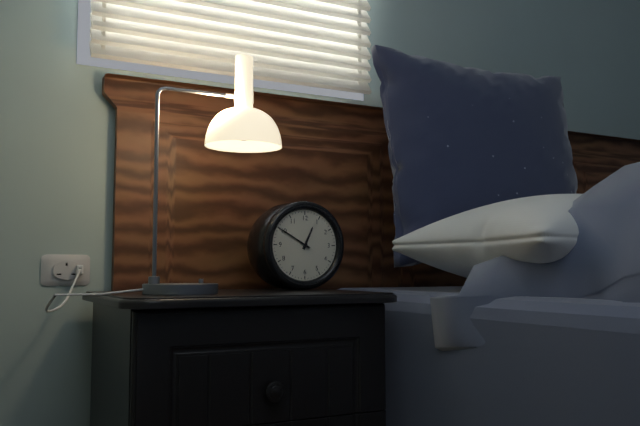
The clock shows 12.50
